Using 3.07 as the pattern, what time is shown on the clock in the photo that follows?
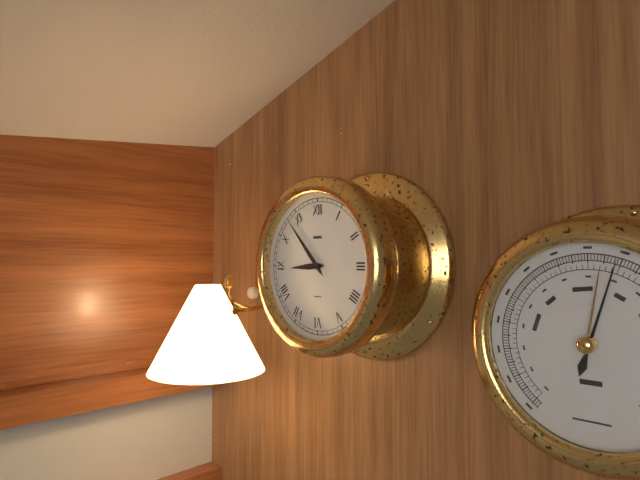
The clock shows 8.53
